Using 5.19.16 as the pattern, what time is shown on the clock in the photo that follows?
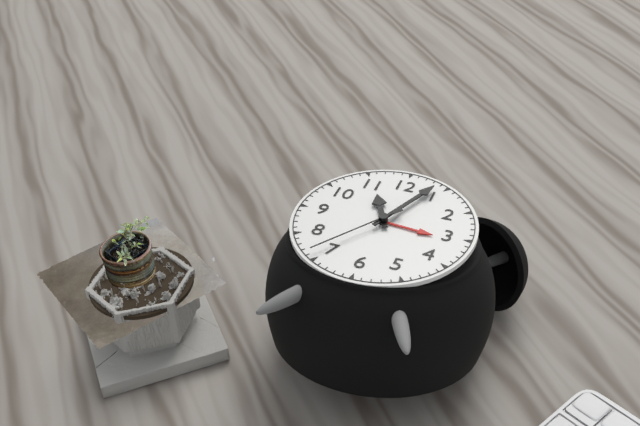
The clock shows 11.04.36
